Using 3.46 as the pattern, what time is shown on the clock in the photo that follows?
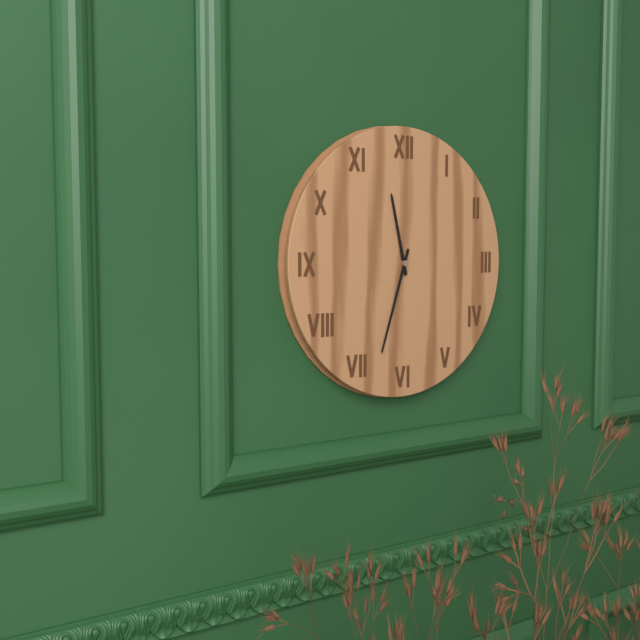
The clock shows 11.33
